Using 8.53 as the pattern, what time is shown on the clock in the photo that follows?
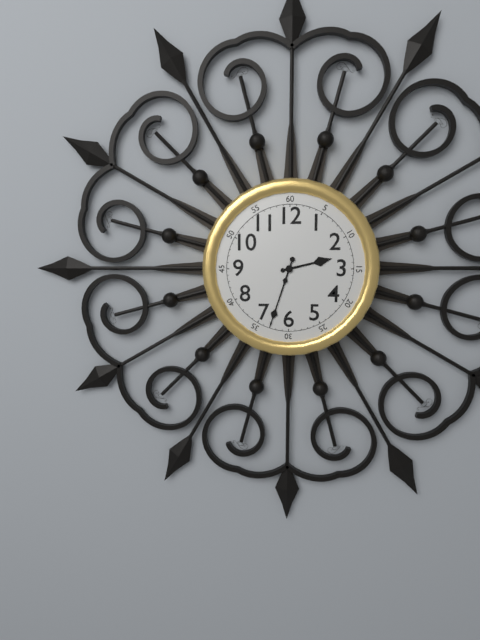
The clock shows 2.33
